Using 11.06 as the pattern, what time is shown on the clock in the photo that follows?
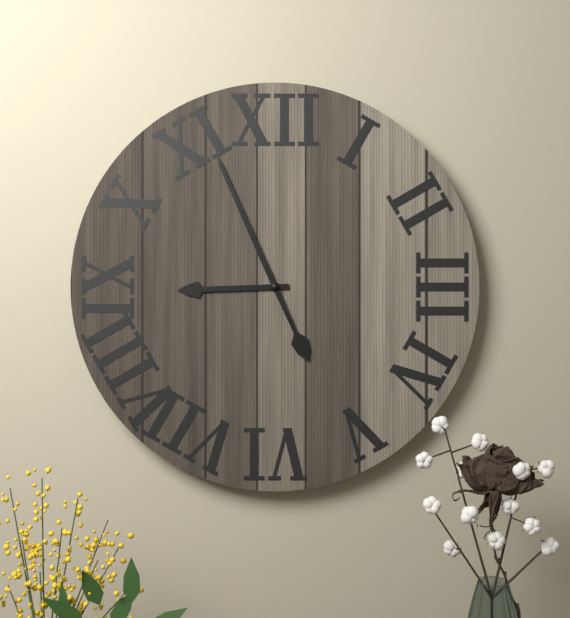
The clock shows 8.56
